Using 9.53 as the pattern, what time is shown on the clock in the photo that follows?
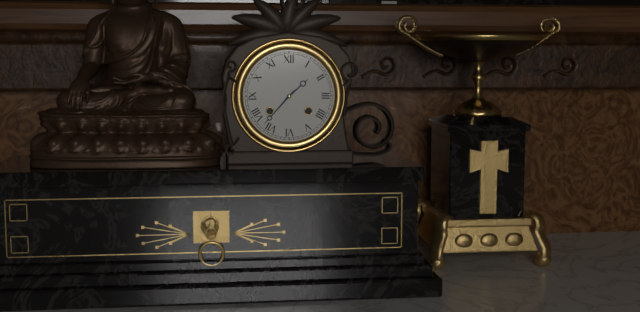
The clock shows 1.37
